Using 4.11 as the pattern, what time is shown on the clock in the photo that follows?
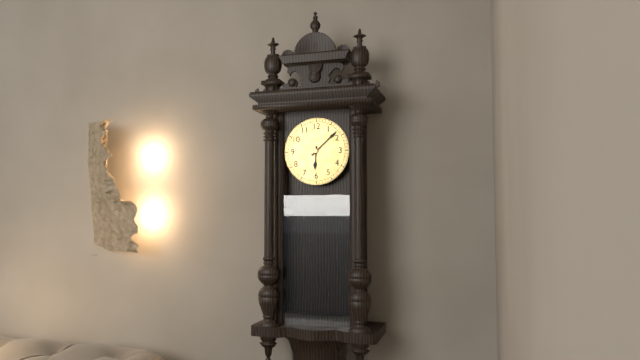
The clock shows 6.08
